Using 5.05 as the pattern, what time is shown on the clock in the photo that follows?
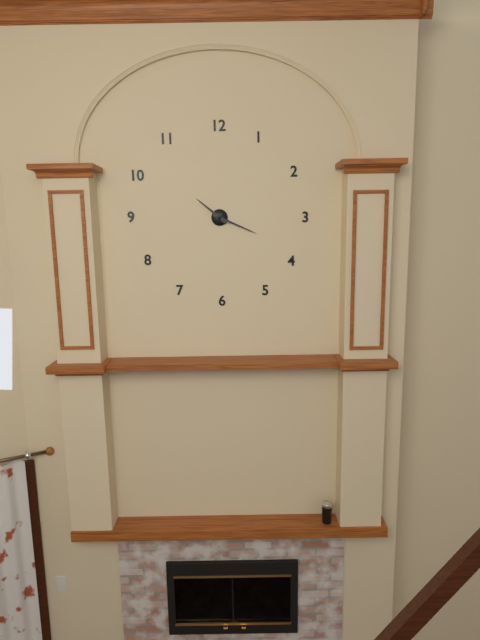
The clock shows 10.19
